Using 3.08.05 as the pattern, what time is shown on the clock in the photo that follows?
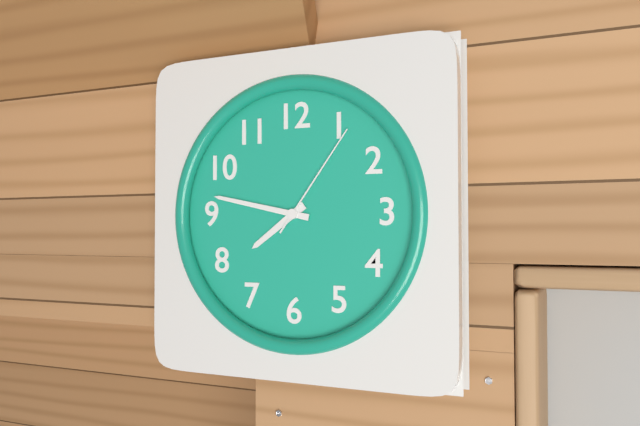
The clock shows 7.47.06
